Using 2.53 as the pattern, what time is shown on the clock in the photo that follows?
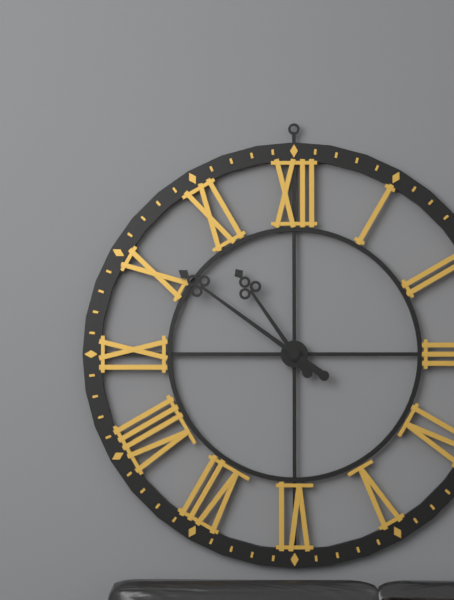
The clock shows 10.51
